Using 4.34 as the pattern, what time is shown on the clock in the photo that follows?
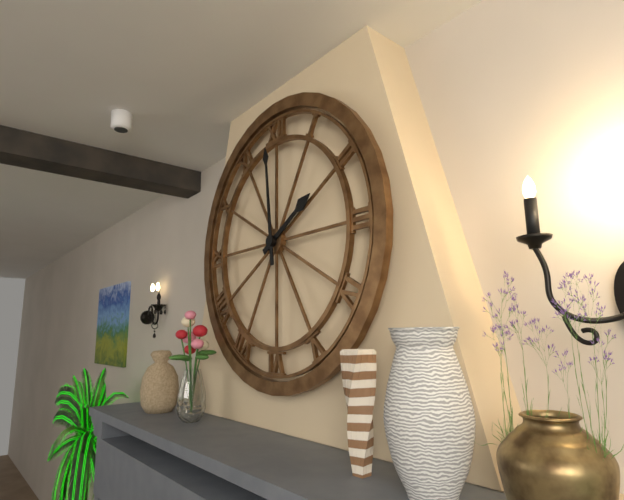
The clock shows 1.59
